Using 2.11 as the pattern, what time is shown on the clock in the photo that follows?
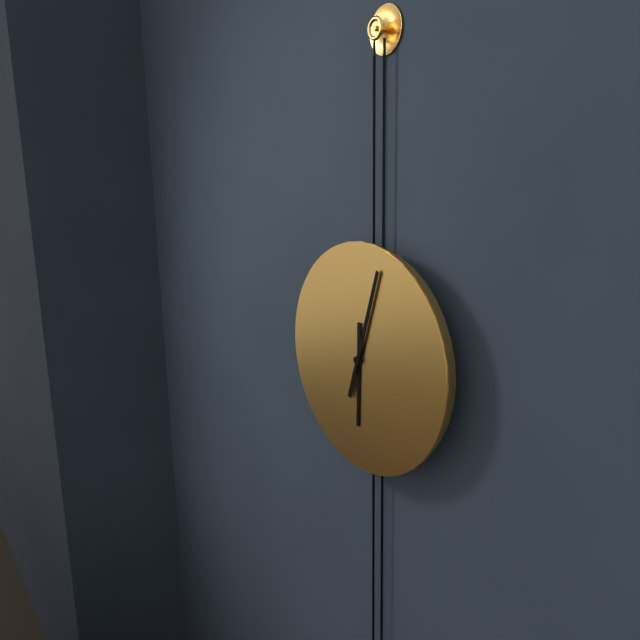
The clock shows 6.03
